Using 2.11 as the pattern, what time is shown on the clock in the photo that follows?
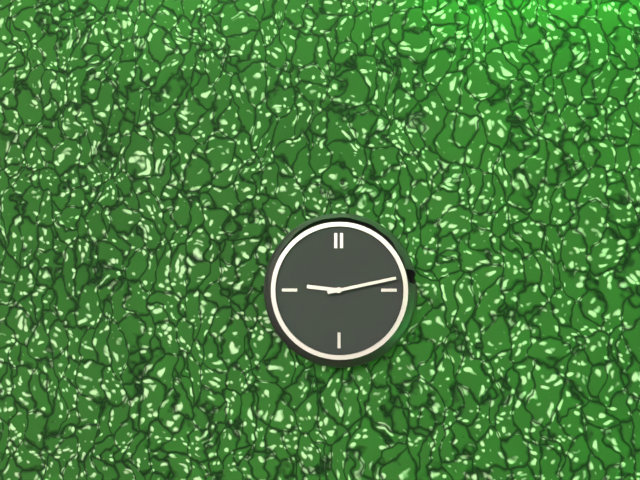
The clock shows 9.13
